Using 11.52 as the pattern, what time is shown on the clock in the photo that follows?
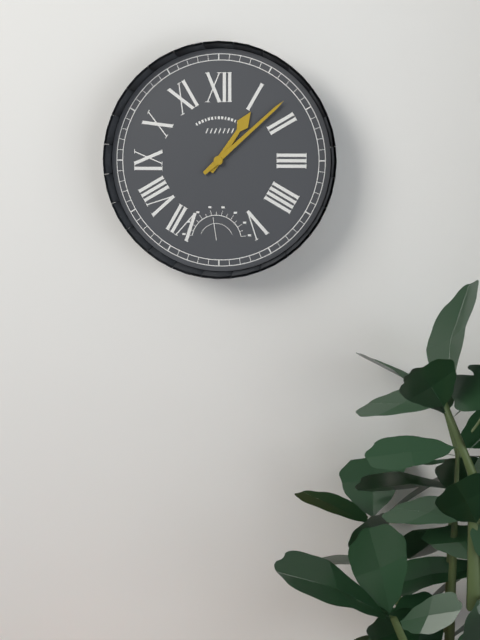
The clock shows 1.08
